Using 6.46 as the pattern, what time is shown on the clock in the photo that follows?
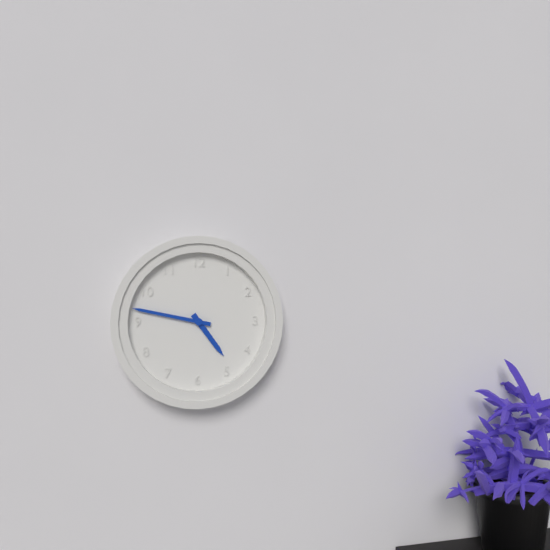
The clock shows 4.47
